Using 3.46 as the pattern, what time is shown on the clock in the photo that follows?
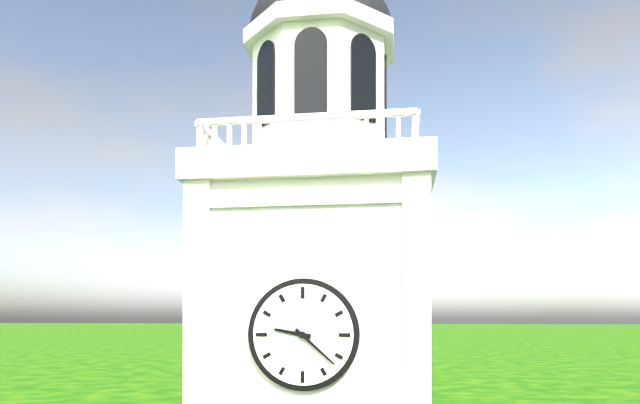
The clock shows 9.22
